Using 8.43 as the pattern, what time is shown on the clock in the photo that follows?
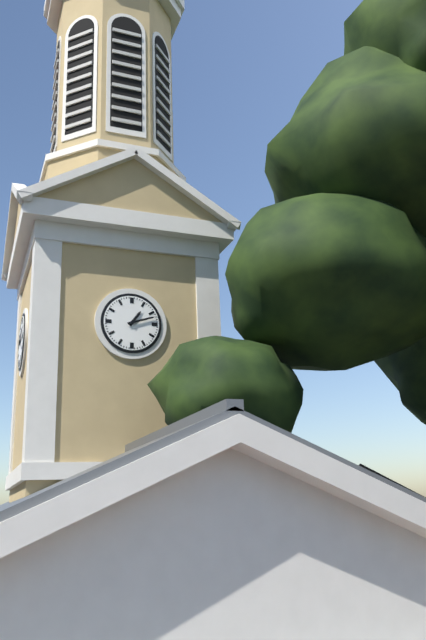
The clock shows 1.12
